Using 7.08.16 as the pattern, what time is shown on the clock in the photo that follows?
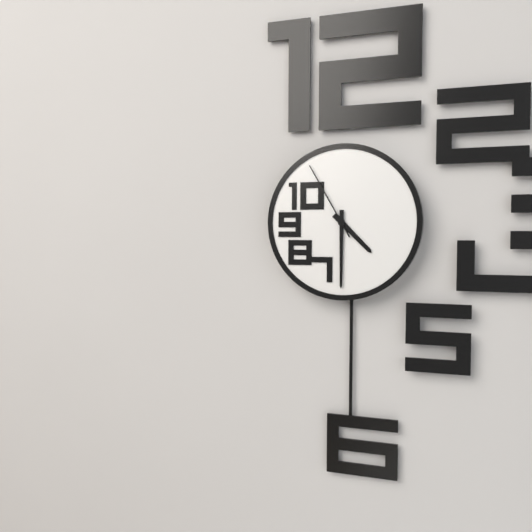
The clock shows 4.30.55
